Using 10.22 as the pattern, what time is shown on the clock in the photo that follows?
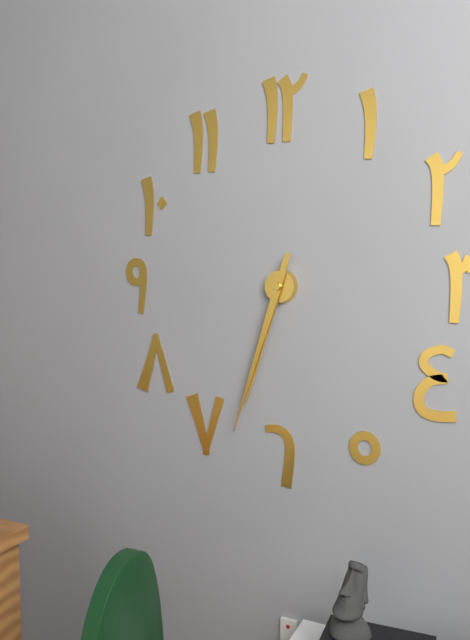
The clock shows 6.33
